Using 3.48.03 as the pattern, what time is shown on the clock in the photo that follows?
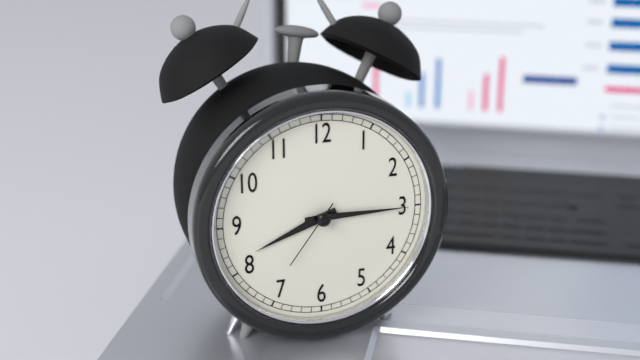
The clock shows 8.15.36
